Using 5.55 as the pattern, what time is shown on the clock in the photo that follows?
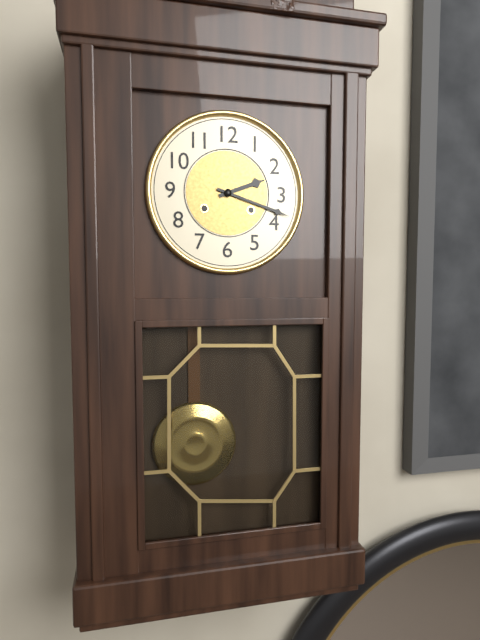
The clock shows 2.18
